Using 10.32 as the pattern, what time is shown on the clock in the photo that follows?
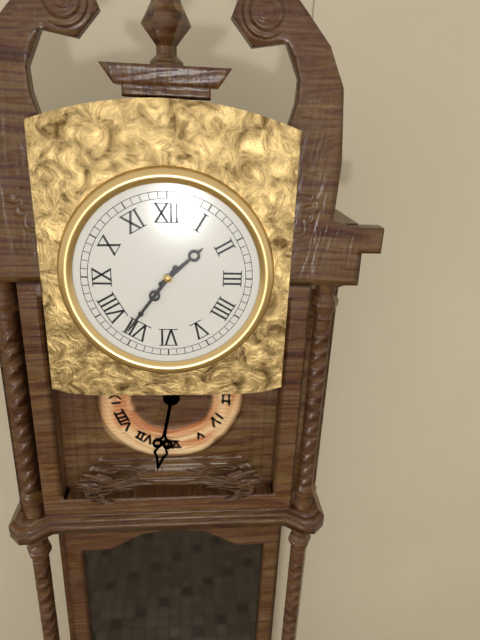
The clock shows 1.36
